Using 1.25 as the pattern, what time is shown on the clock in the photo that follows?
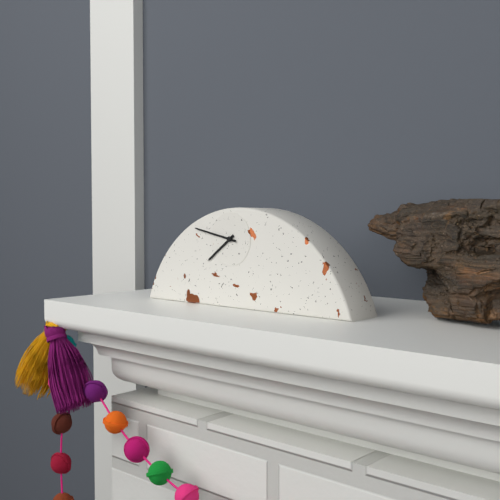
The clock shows 7.47
